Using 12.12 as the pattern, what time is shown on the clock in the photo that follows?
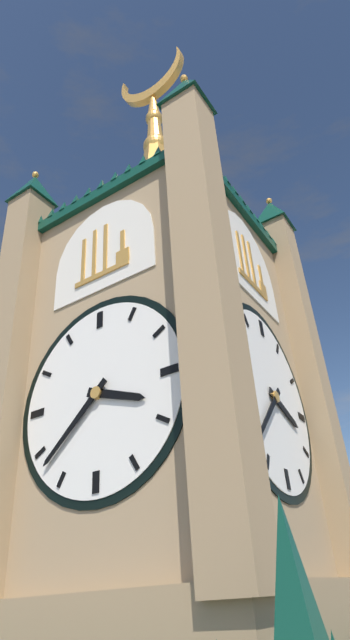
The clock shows 3.38
